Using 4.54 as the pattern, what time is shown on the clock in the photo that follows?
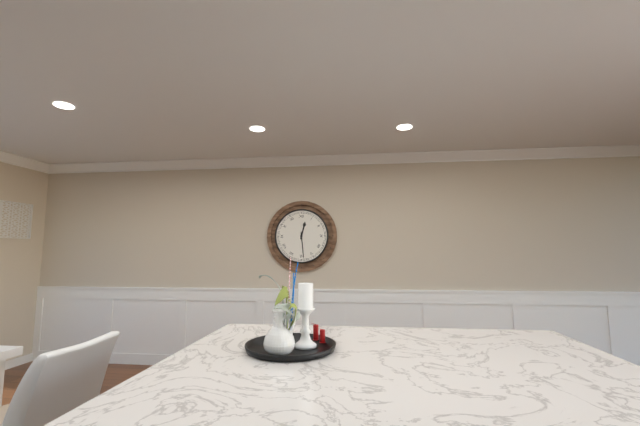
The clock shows 12.29
